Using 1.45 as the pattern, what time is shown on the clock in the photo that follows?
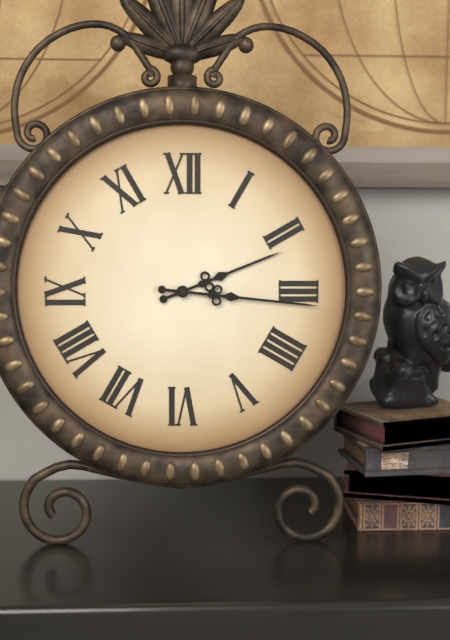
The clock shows 2.16
